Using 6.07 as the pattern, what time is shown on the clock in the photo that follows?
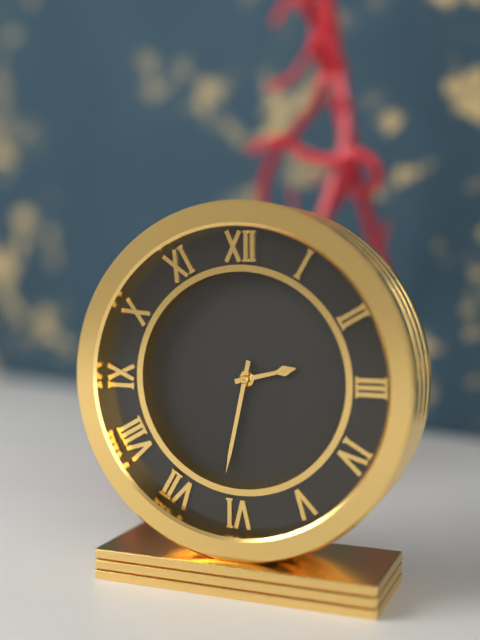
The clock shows 2.32
